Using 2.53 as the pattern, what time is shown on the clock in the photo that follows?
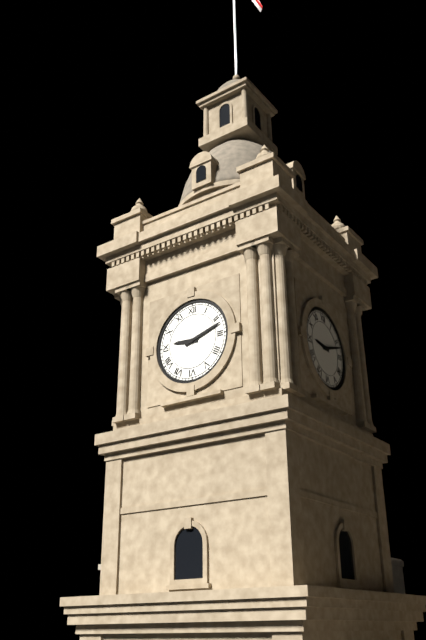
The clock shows 9.12
